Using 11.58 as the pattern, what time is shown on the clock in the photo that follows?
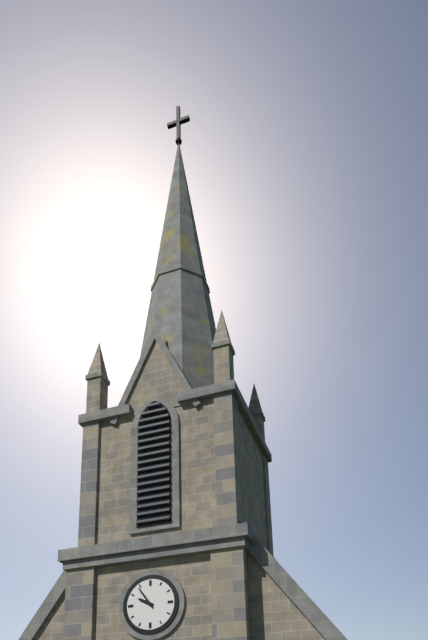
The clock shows 9.54
